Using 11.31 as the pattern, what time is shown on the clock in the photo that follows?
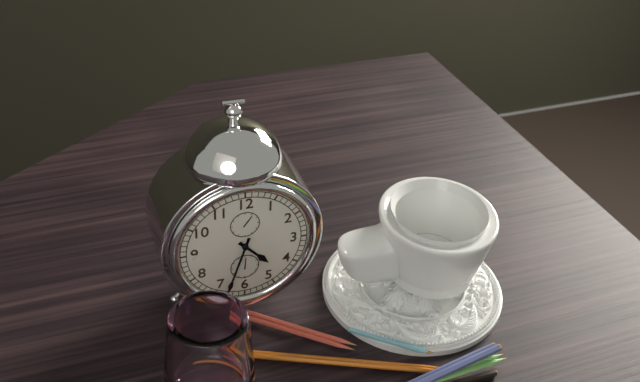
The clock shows 4.33
